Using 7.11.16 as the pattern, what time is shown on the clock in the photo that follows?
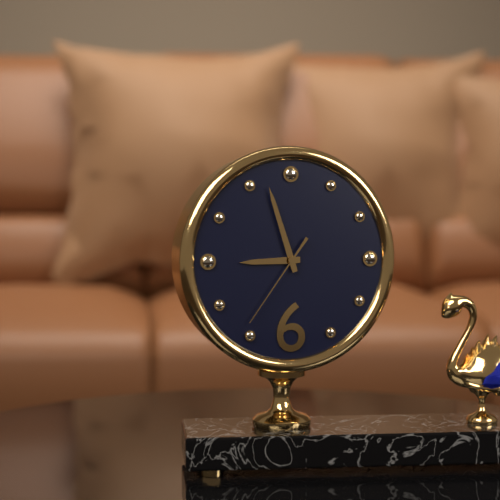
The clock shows 8.57.36
